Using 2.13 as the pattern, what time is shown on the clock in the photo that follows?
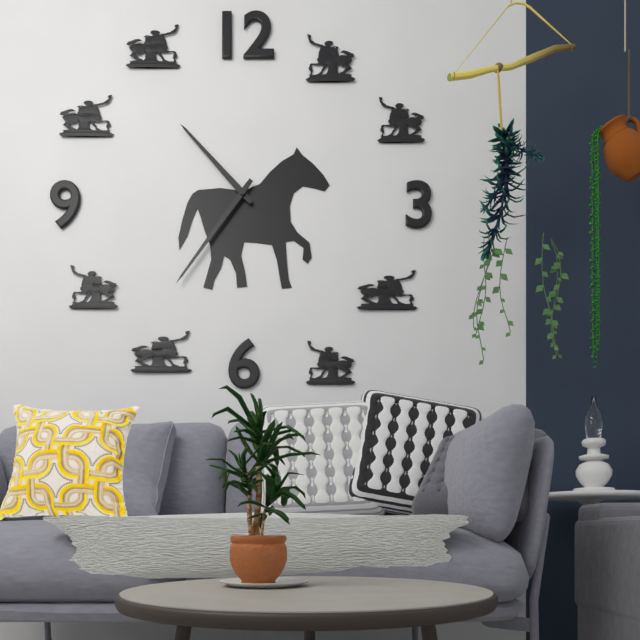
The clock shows 10.36
